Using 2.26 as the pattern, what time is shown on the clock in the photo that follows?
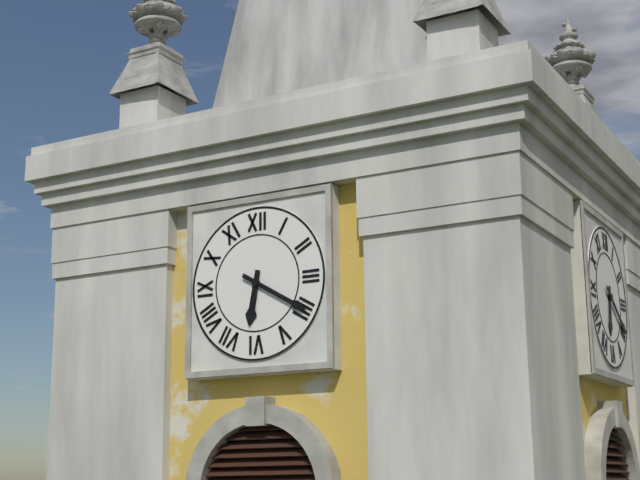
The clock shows 6.20
